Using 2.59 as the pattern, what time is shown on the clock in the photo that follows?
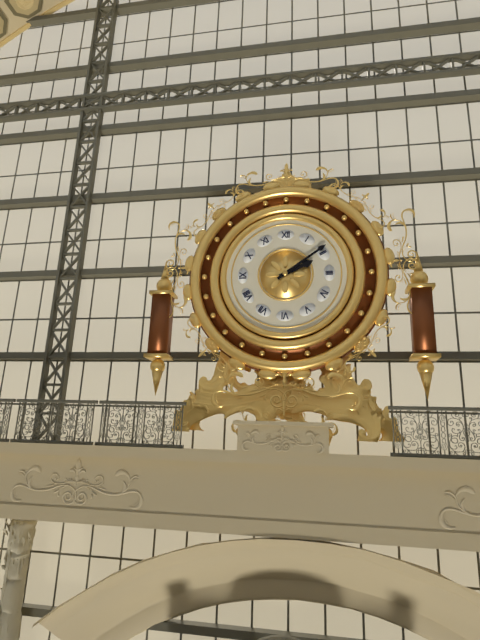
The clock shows 2.09
